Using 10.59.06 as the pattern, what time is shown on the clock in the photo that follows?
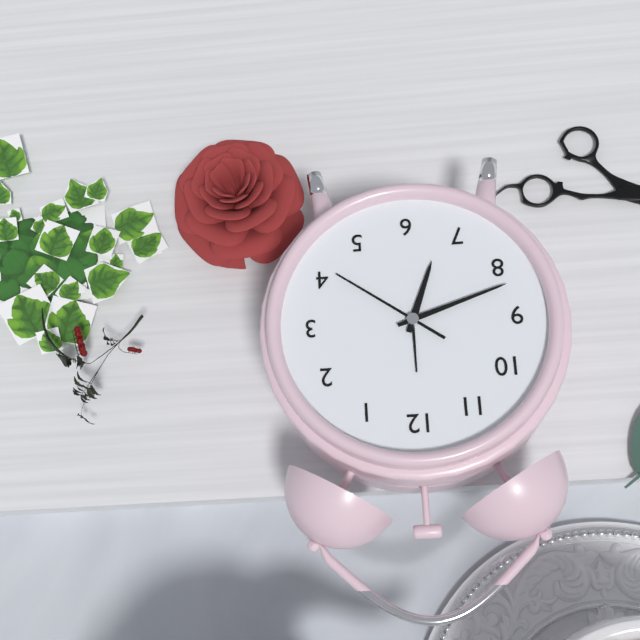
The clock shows 6.42.21
